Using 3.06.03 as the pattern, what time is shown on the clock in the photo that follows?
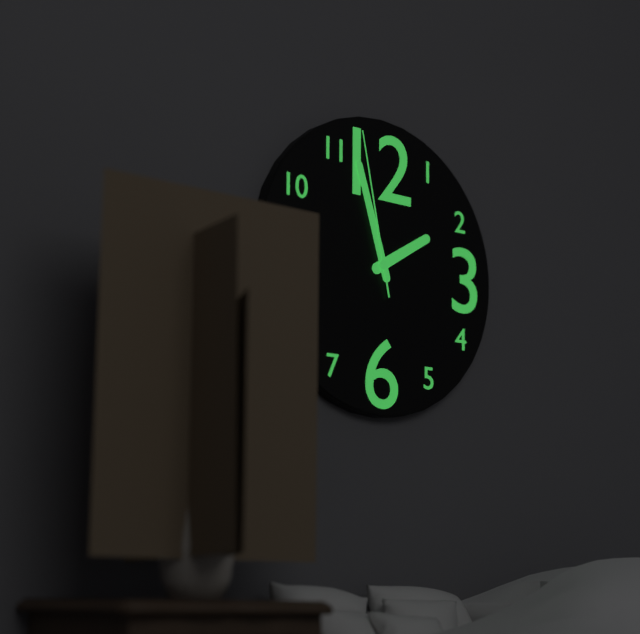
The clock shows 1.57.58
